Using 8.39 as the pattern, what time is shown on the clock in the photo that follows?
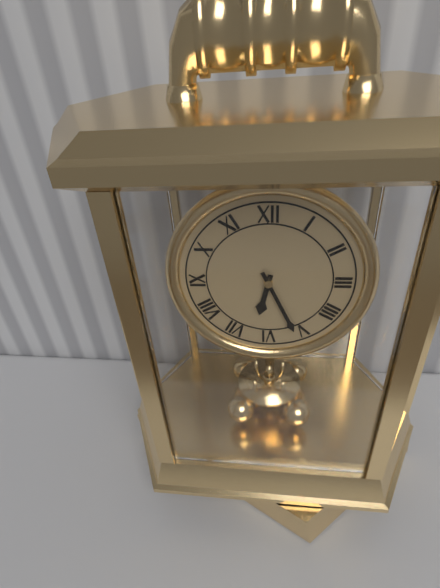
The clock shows 6.26
